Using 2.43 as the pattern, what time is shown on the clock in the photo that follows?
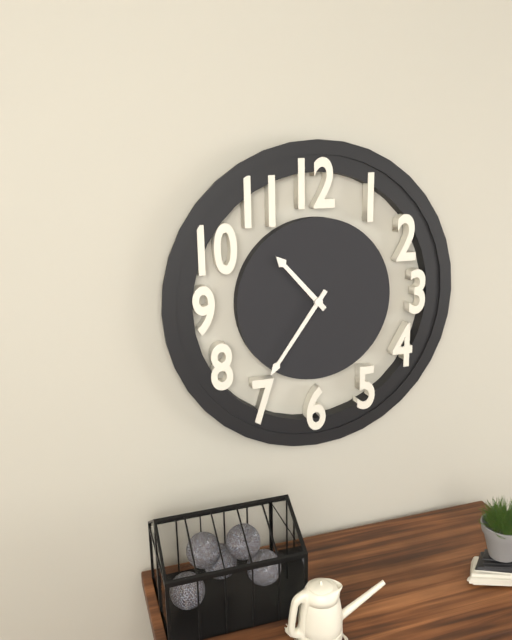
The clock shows 10.36
